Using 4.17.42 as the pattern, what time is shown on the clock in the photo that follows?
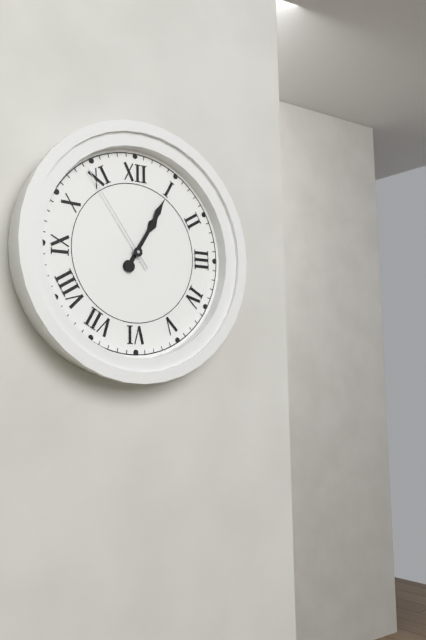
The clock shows 1.05.54
